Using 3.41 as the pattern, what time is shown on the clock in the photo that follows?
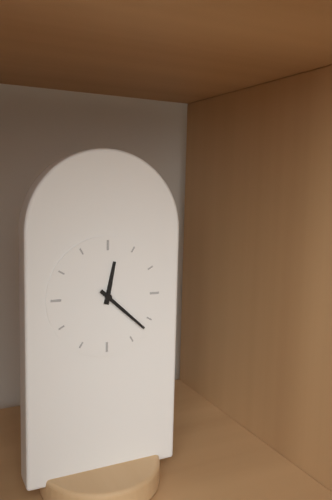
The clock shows 12.22
